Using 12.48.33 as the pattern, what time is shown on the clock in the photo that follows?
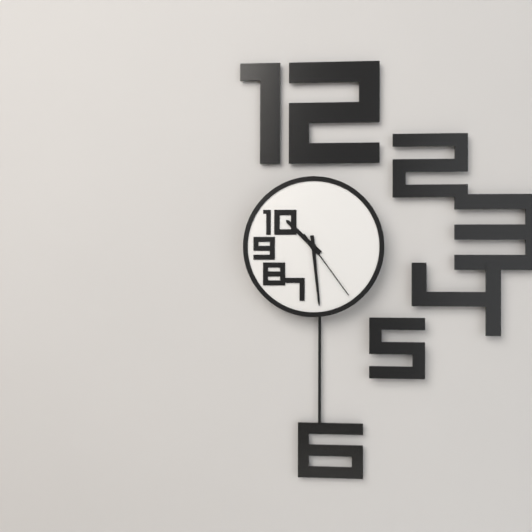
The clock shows 10.29.24
